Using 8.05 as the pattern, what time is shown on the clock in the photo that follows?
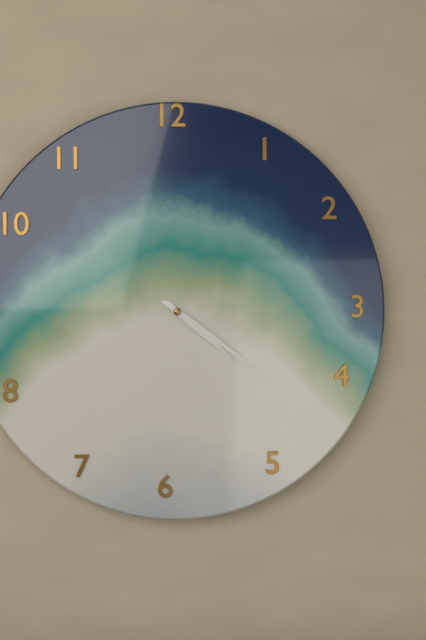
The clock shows 4.21
